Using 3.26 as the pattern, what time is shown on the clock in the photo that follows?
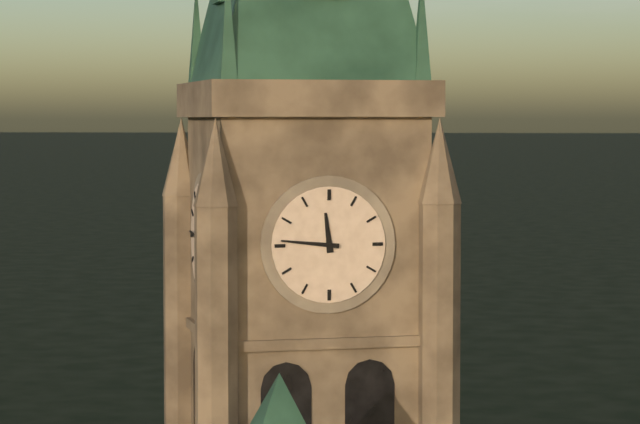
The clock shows 11.46
